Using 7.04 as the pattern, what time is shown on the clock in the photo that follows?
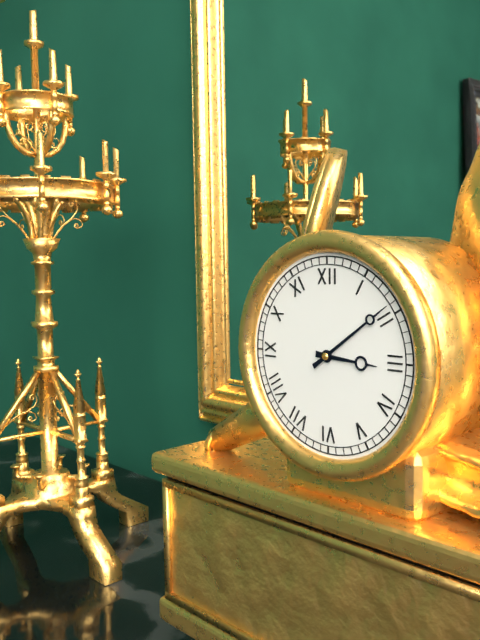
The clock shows 3.09
